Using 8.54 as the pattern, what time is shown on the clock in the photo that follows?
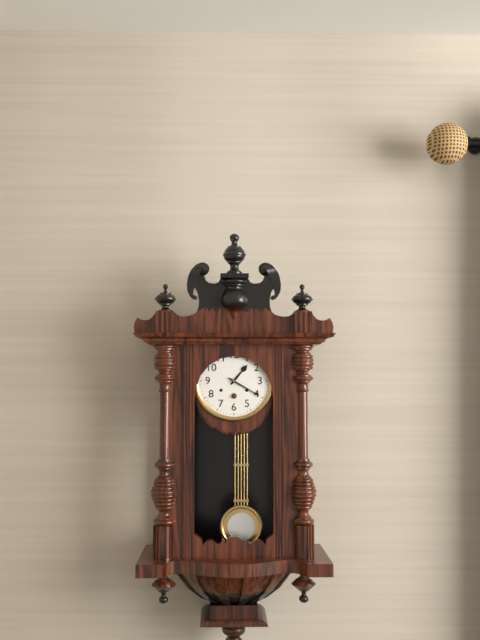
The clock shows 1.20
